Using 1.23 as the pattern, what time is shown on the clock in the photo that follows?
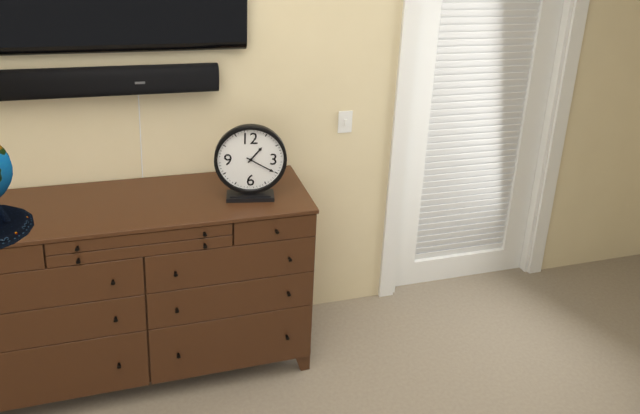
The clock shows 1.20
